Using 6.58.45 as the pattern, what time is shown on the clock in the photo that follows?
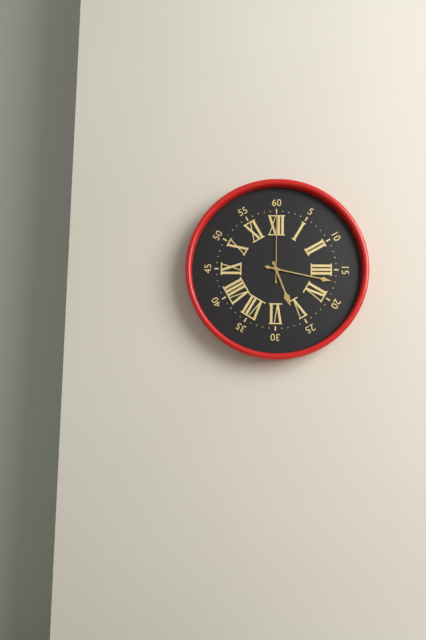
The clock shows 5.17.00
